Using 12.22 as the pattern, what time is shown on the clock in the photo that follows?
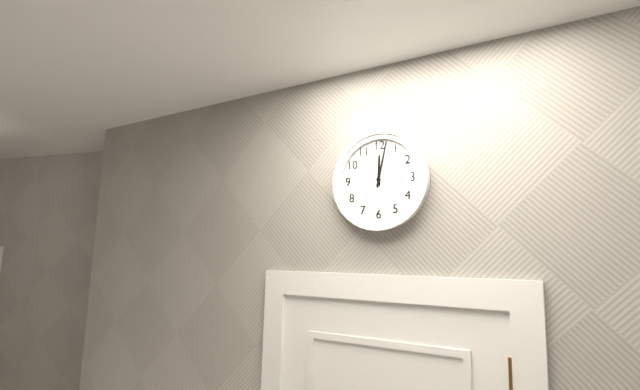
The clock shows 12.02
